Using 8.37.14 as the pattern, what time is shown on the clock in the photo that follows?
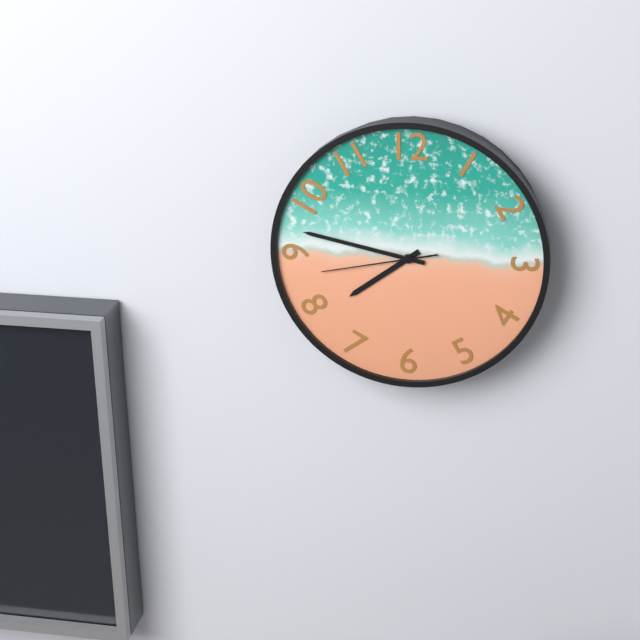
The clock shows 7.47.43
